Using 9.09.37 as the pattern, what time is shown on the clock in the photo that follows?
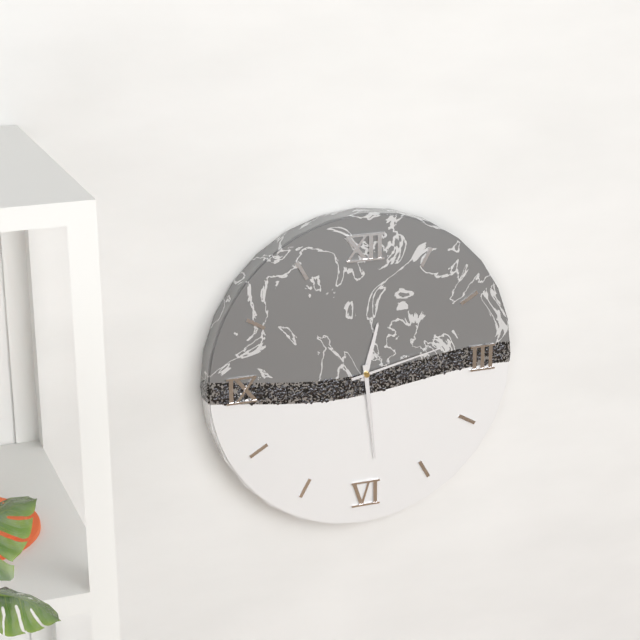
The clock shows 12.29.13
